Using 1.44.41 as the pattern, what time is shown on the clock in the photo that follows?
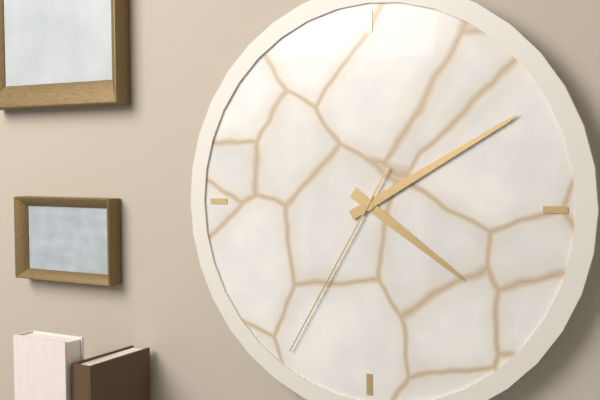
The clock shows 4.10.35
